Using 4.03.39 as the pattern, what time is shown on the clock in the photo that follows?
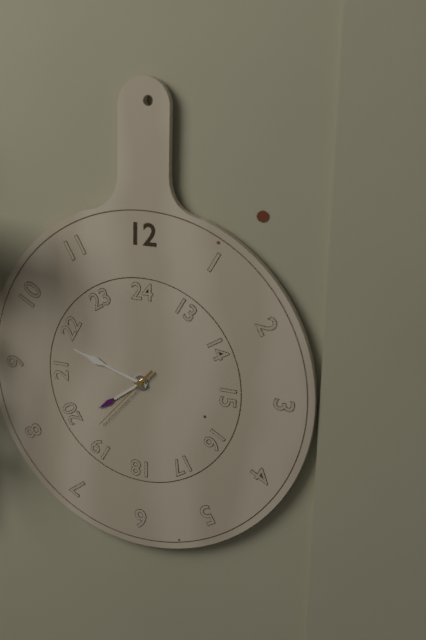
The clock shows 7.48.37
